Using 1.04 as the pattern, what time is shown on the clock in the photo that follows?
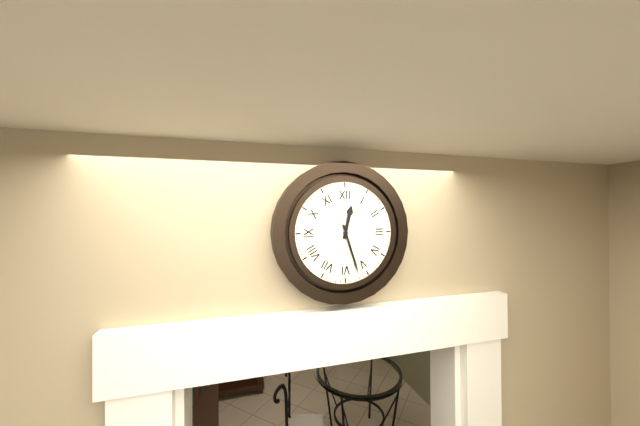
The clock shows 12.27
